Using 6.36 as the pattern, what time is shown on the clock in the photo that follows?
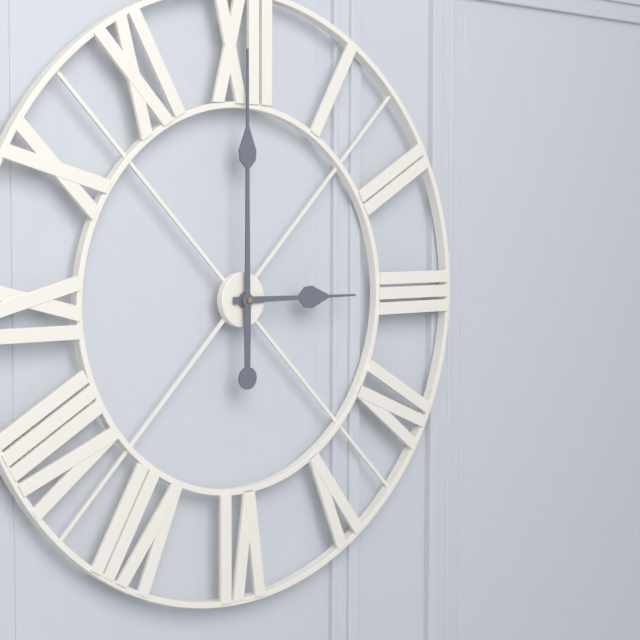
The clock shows 3.00
